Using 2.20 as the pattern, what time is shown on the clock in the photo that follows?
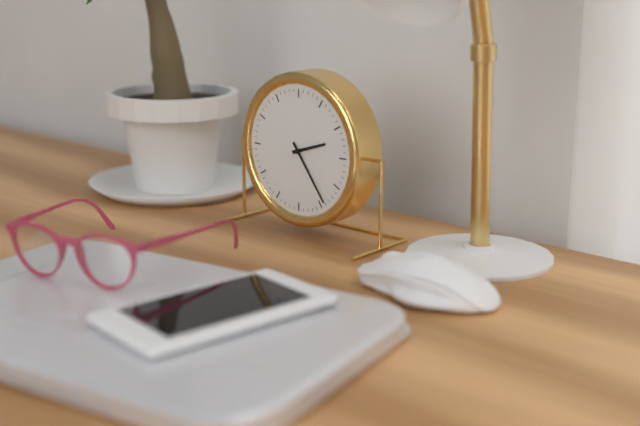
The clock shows 2.24
